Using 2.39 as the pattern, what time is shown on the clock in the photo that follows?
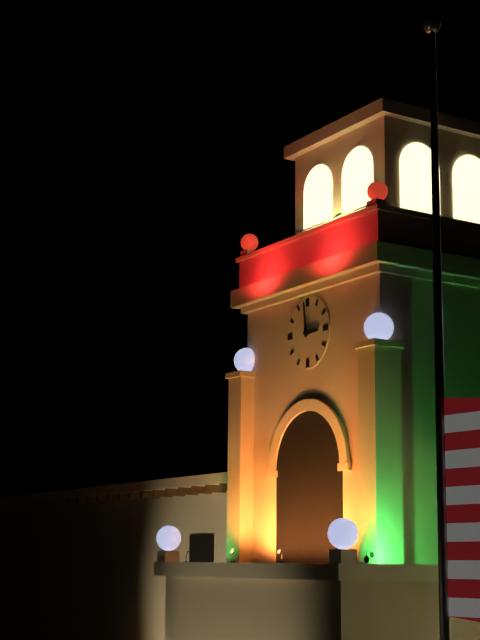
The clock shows 2.59
